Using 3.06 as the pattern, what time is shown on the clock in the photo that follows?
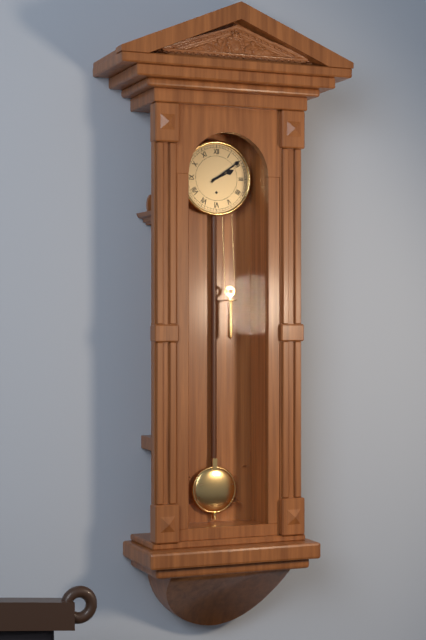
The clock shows 2.09
